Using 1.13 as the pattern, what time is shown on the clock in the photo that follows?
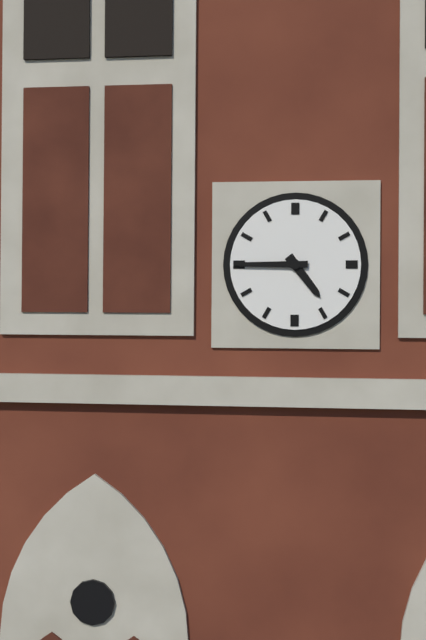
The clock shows 4.45
